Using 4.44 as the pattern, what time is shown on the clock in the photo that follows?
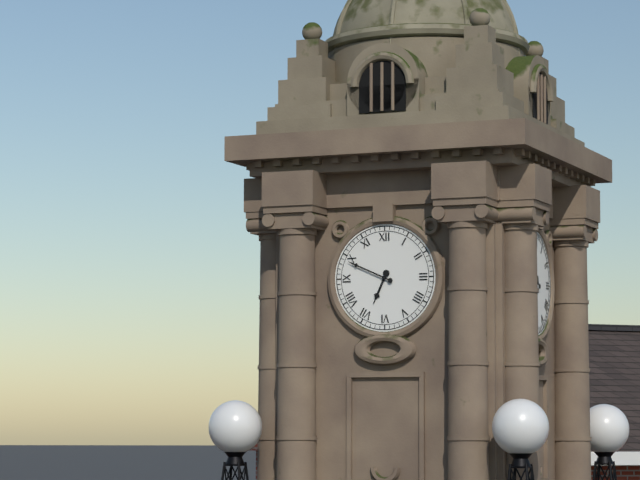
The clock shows 6.49
